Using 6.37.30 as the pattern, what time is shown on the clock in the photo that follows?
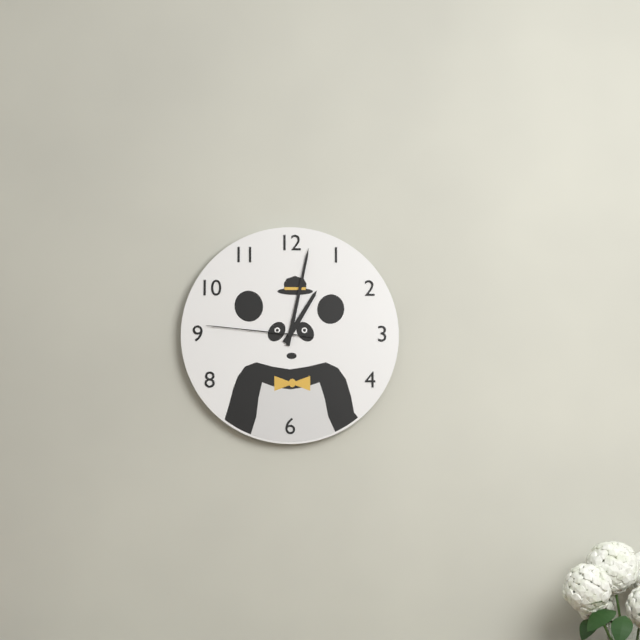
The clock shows 1.02.46
